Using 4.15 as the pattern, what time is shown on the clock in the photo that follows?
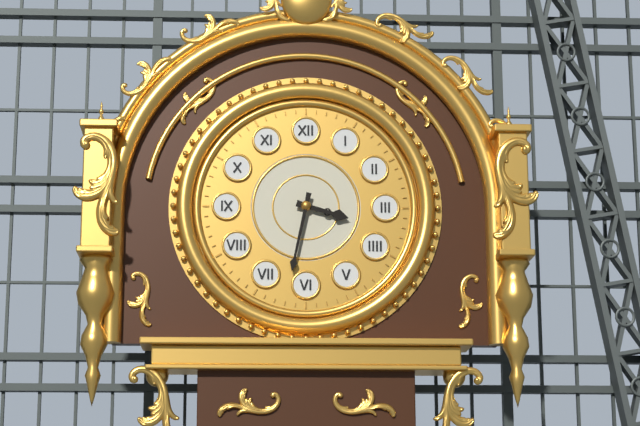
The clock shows 3.32
